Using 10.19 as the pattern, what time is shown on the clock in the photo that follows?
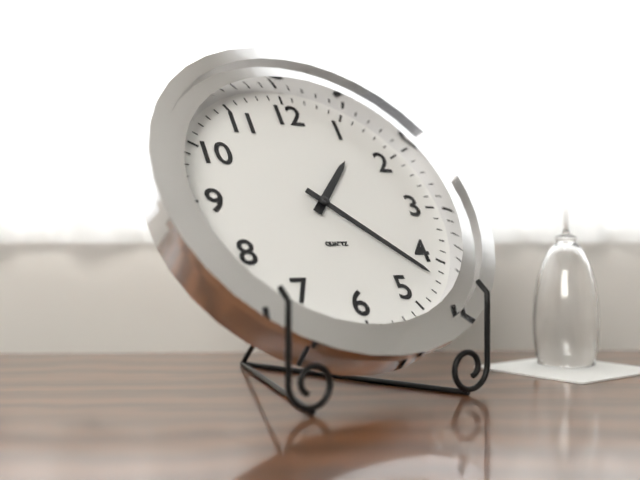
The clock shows 1.22
